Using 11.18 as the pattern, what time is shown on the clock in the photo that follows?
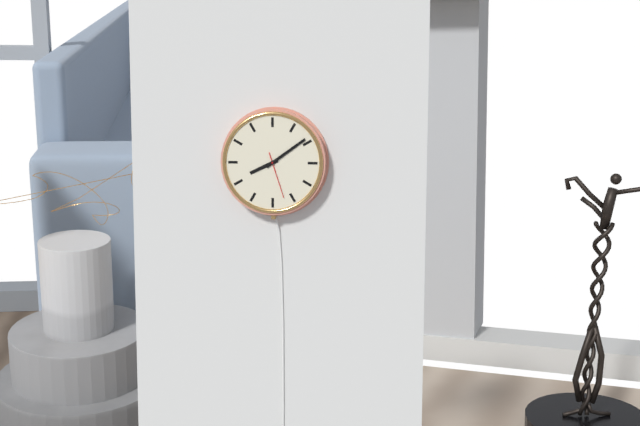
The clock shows 8.09
